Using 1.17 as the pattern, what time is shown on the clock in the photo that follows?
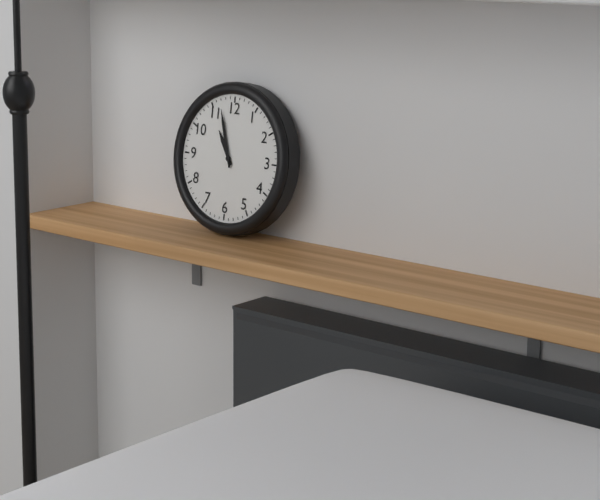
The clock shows 10.57
